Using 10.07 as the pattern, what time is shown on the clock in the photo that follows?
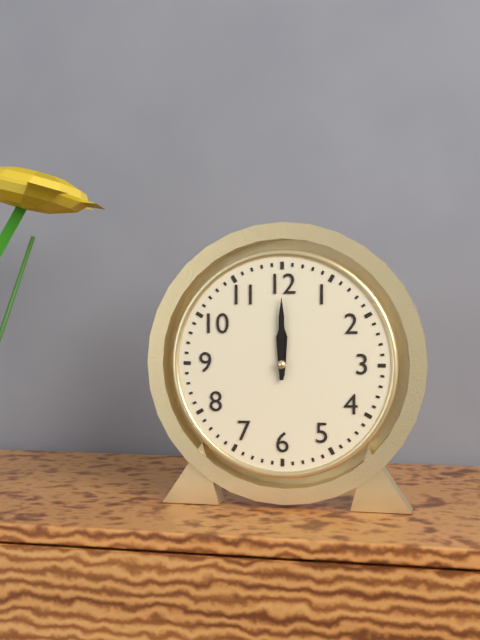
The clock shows 12.00
